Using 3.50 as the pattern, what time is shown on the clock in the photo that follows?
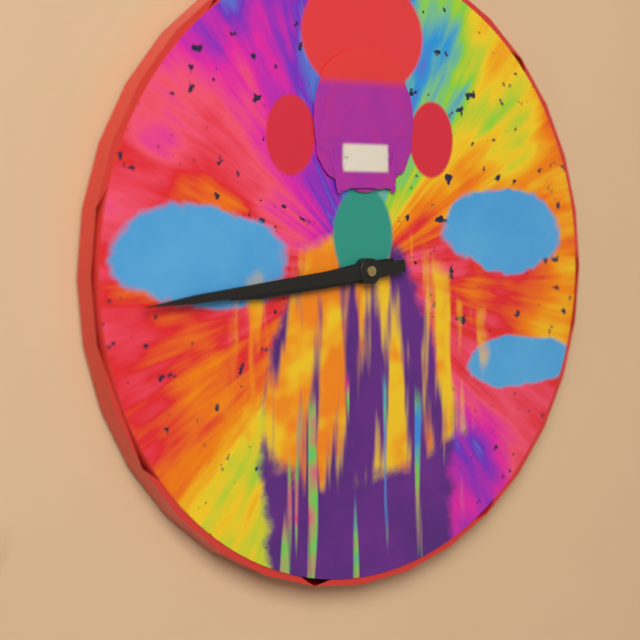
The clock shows 8.44
